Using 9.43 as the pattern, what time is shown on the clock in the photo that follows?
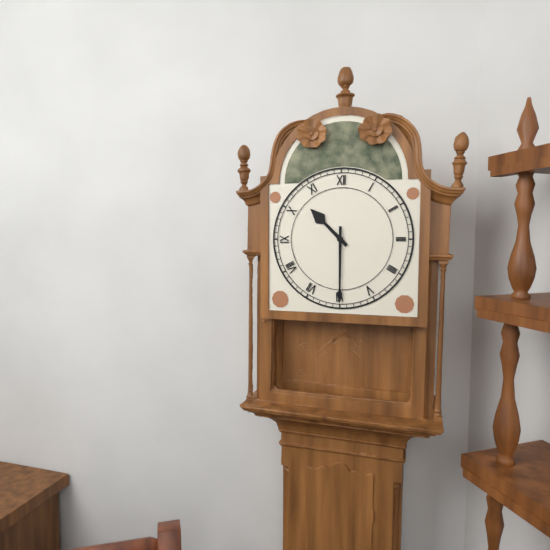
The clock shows 10.30
